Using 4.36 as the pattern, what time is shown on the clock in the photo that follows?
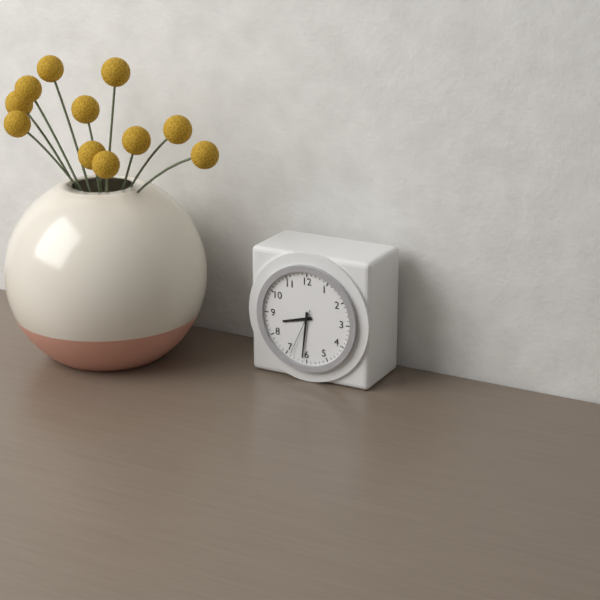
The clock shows 8.31
